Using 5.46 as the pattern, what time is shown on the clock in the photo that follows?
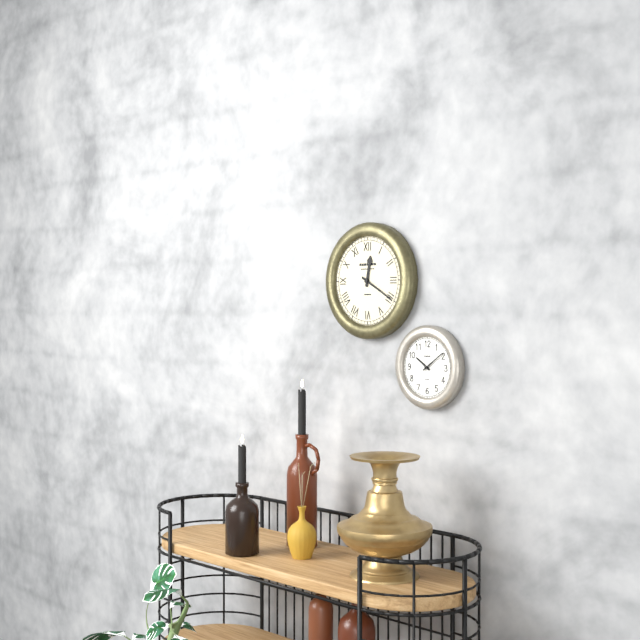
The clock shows 12.20
